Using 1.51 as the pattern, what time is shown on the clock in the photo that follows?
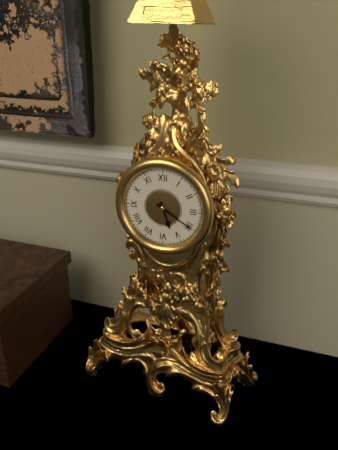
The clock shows 5.20
